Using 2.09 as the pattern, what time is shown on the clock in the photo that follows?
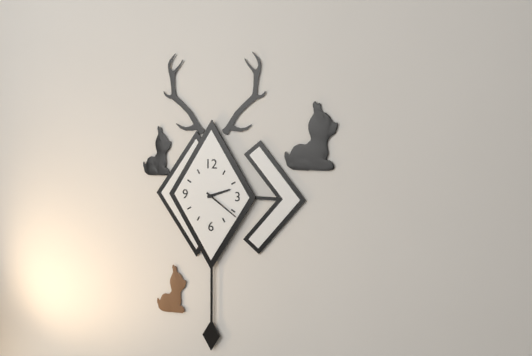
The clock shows 2.21
